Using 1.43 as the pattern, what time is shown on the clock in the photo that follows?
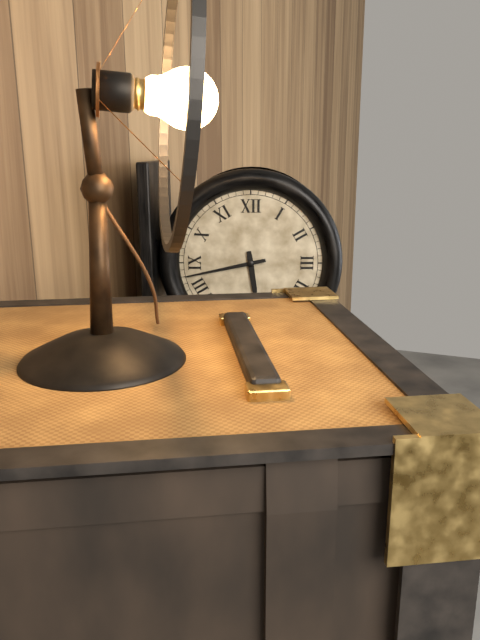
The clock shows 5.43
